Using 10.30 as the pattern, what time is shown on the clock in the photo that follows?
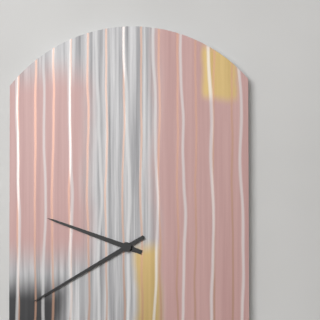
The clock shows 9.40
